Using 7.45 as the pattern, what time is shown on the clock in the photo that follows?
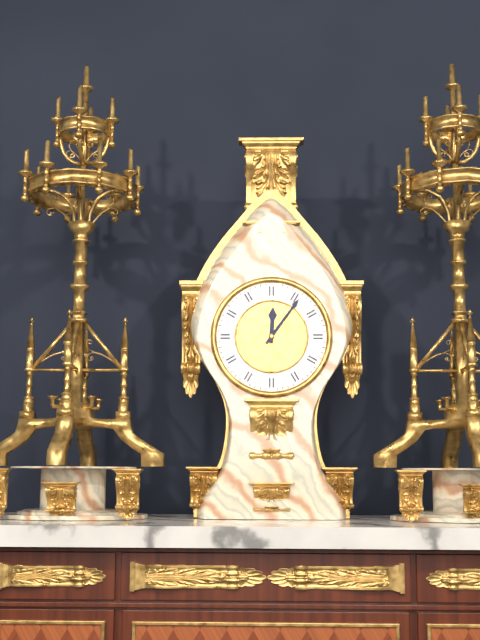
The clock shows 12.06
